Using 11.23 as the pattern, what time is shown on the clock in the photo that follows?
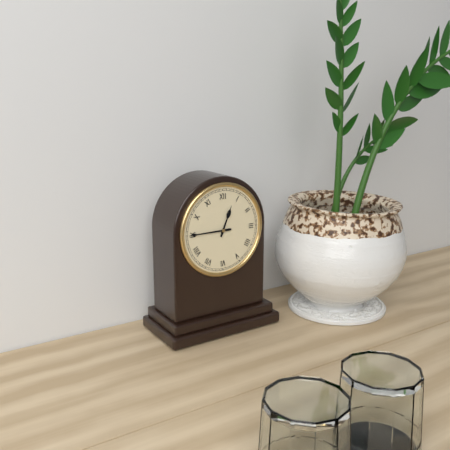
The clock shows 12.45
